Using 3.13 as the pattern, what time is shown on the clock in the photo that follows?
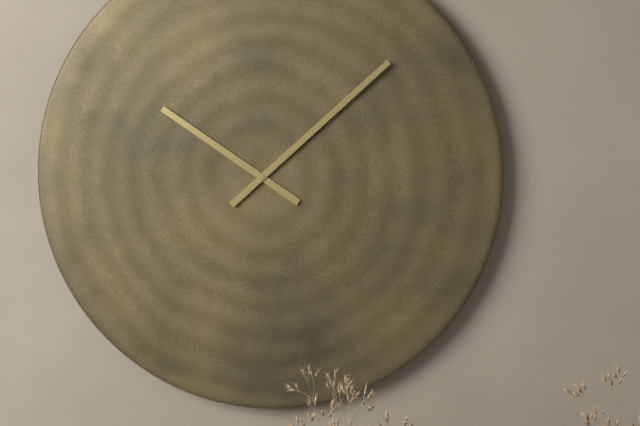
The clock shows 10.08
